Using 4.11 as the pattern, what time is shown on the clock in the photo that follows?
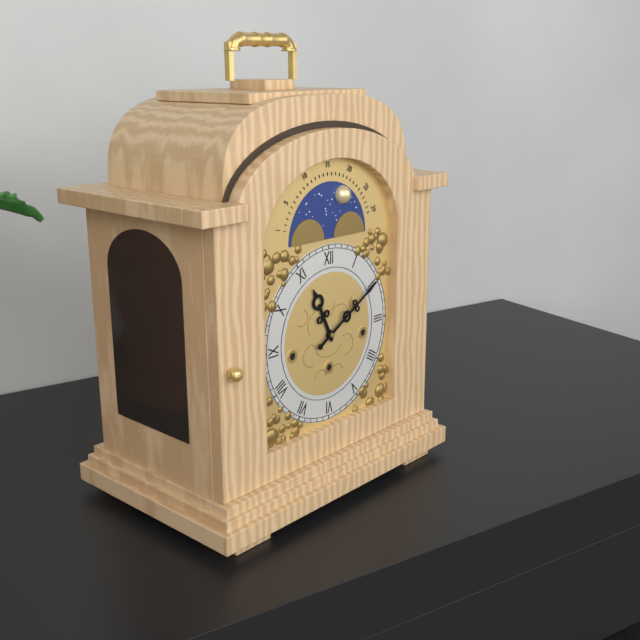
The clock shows 11.10
